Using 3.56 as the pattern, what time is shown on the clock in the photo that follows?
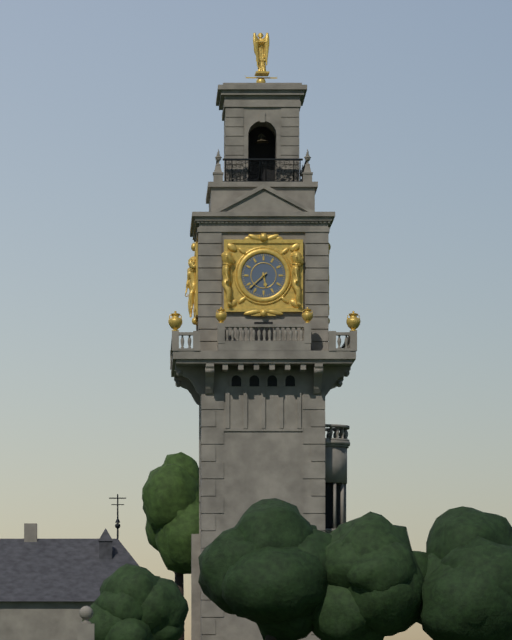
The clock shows 5.38
